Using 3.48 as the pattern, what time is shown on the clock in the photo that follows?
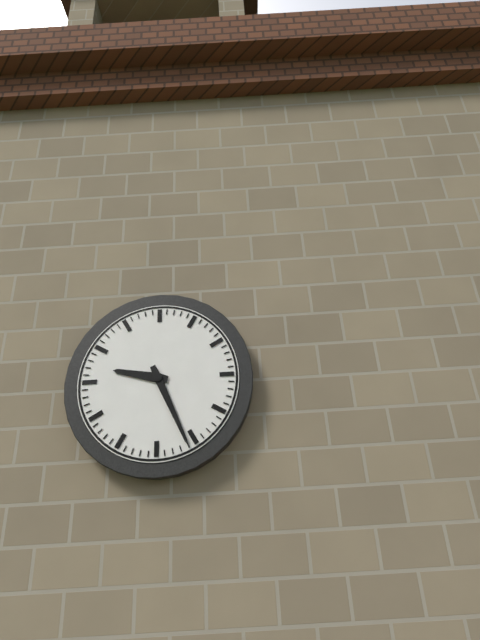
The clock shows 9.26
